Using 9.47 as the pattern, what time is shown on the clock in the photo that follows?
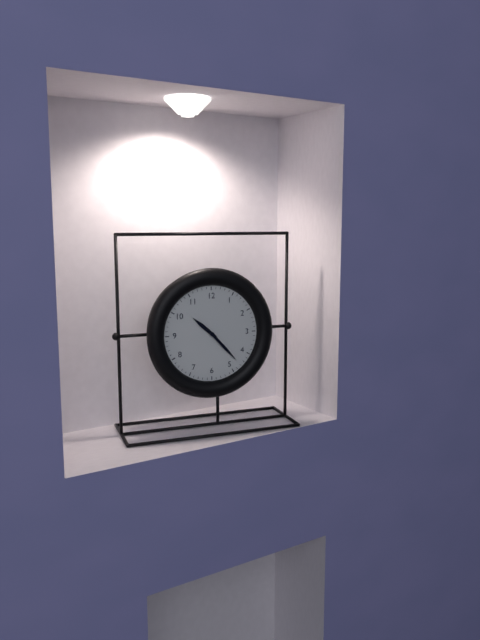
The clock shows 10.23
